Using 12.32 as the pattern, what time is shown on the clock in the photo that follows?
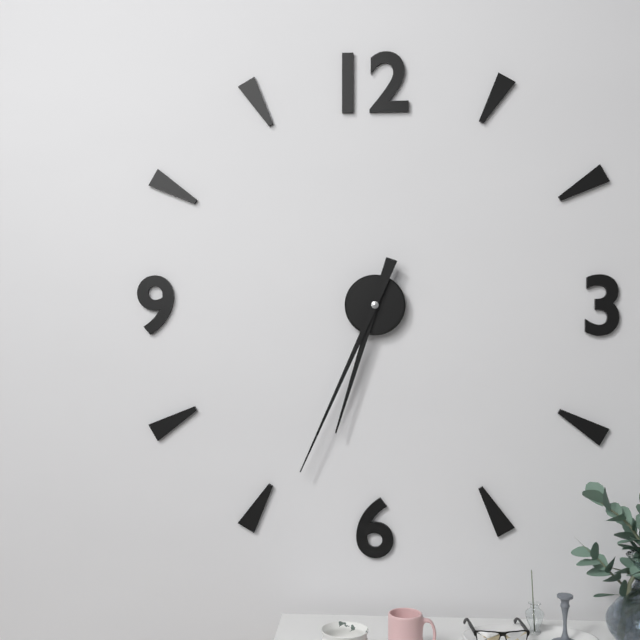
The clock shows 6.34
